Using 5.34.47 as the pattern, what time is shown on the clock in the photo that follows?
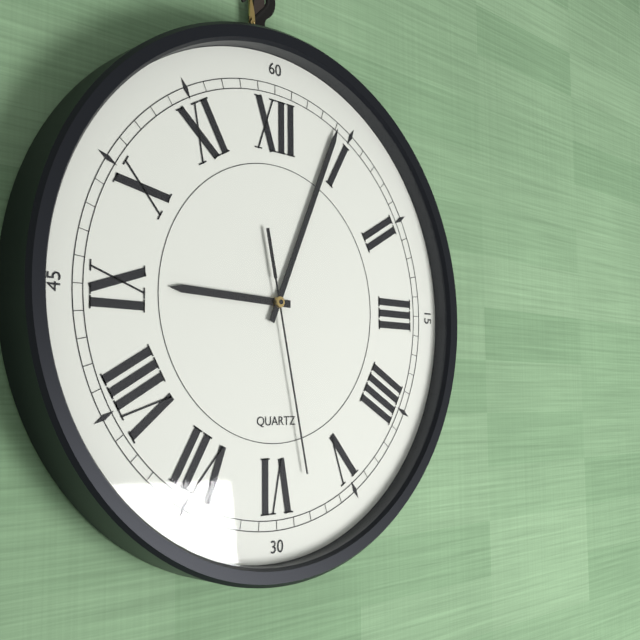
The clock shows 9.04.28
